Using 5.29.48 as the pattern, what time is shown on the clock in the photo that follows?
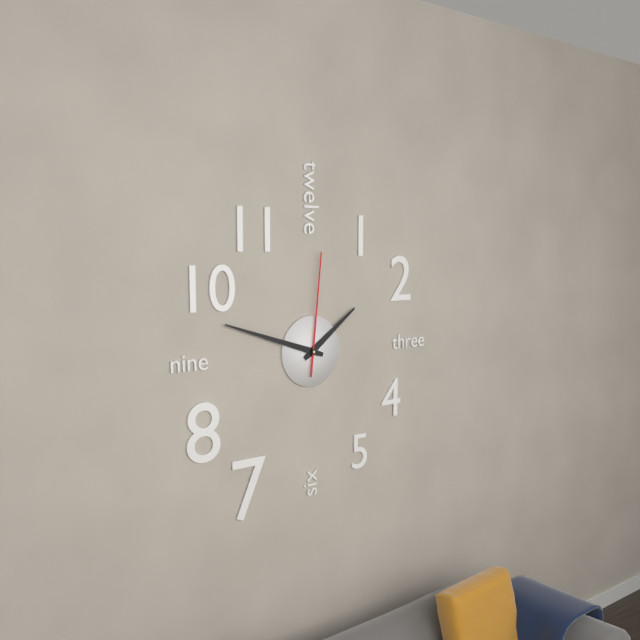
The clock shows 1.48.01
